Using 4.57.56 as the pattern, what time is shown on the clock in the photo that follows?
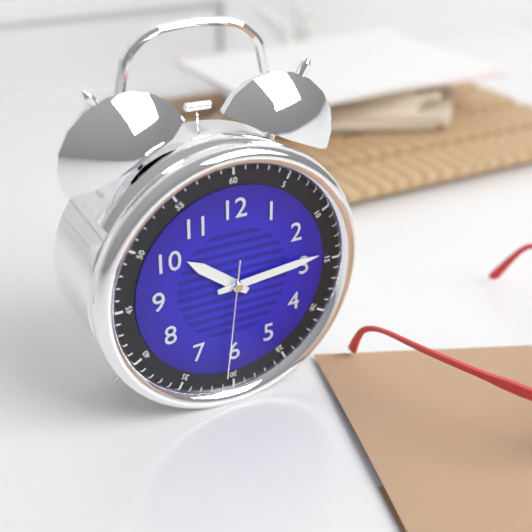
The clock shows 10.14.31
